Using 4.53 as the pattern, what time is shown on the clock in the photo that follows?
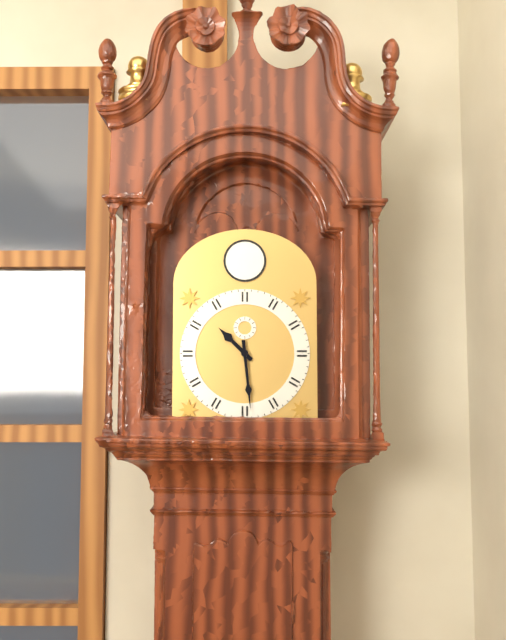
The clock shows 10.29
